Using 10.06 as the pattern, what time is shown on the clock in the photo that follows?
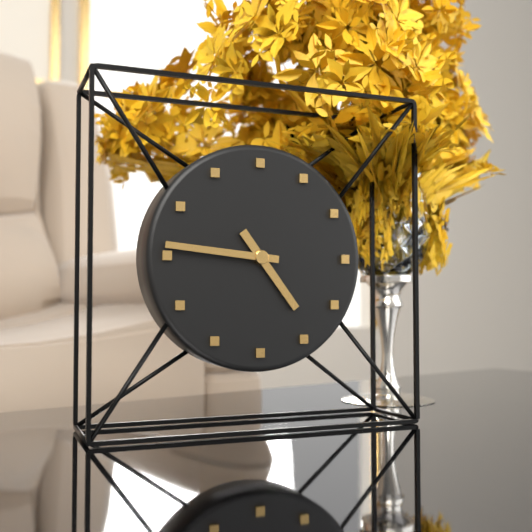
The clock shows 4.46
